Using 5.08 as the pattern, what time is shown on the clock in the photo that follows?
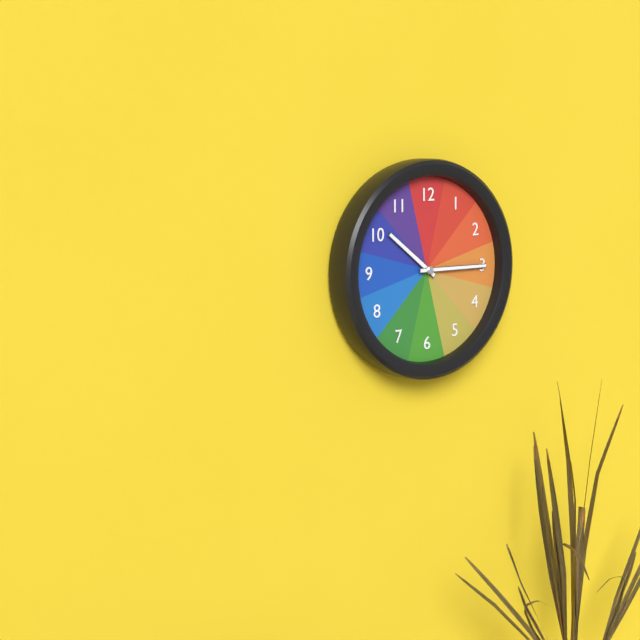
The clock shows 10.15
